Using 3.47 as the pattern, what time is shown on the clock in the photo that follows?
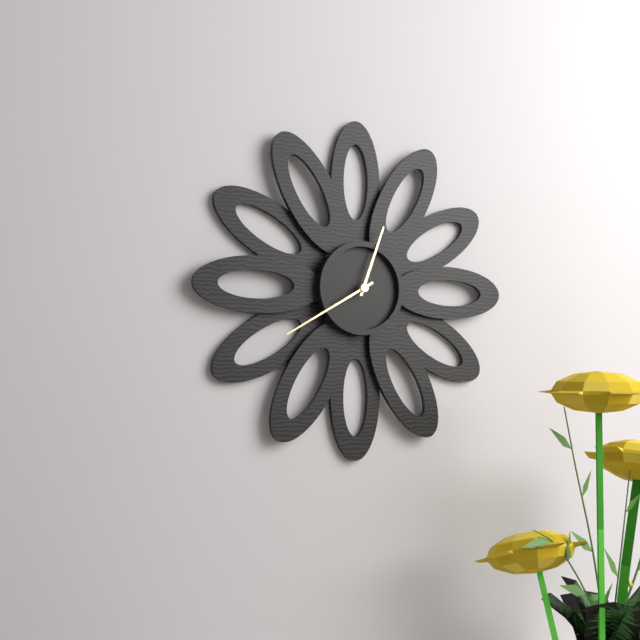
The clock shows 12.40
